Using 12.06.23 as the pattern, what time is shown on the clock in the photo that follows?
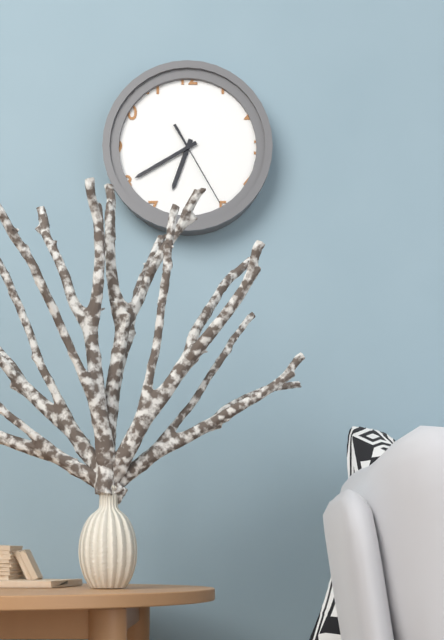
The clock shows 6.40.25
